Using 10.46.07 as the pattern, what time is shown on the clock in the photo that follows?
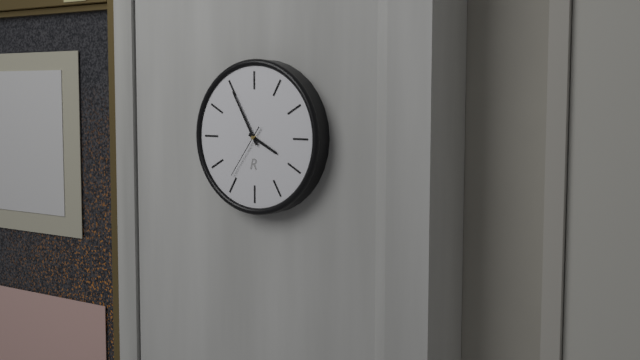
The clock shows 3.55.36
